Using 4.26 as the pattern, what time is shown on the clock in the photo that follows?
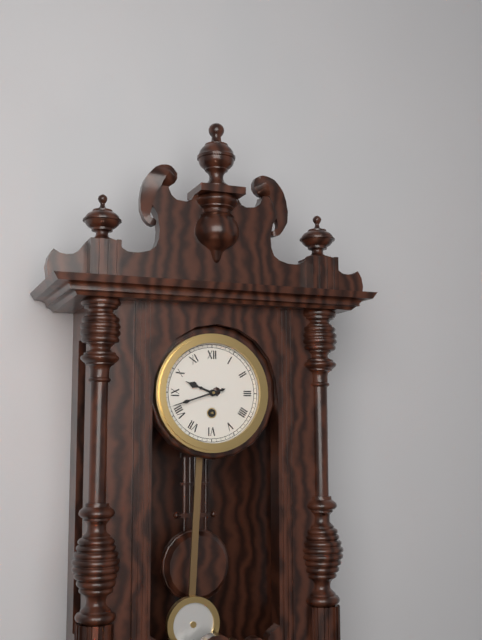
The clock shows 9.42
